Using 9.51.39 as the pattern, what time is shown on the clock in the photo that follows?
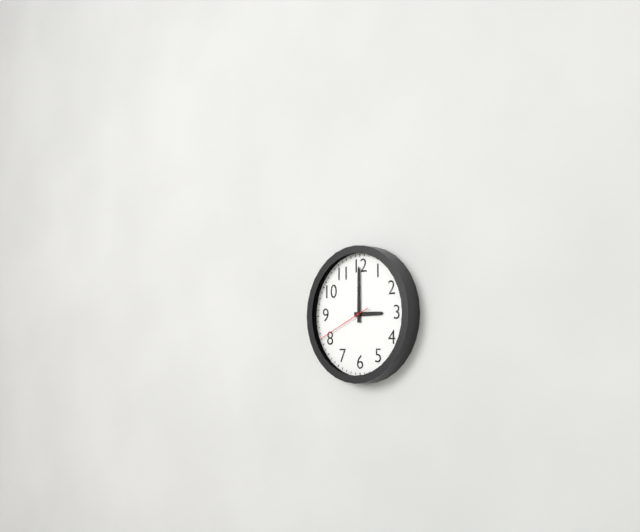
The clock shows 3.00.41
